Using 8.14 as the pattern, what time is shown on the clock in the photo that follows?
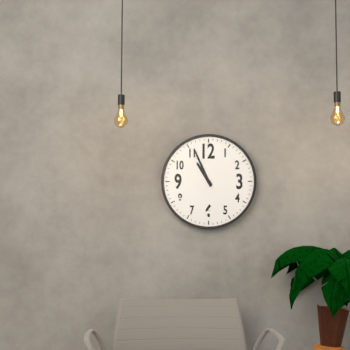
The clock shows 10.56
